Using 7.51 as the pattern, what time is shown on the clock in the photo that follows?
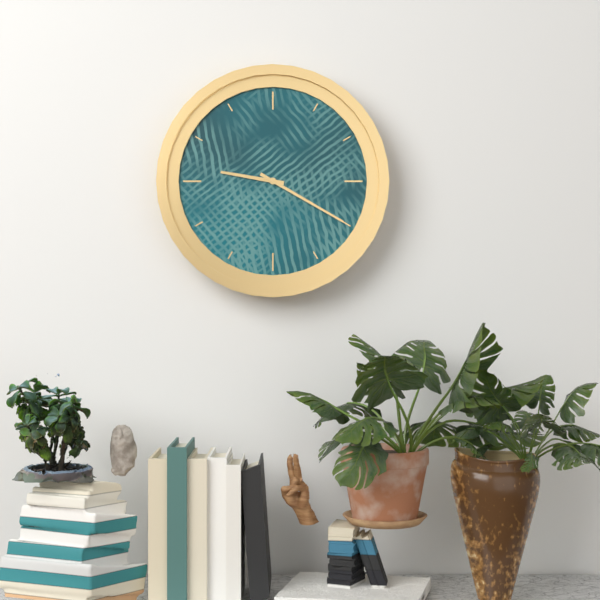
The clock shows 9.20
